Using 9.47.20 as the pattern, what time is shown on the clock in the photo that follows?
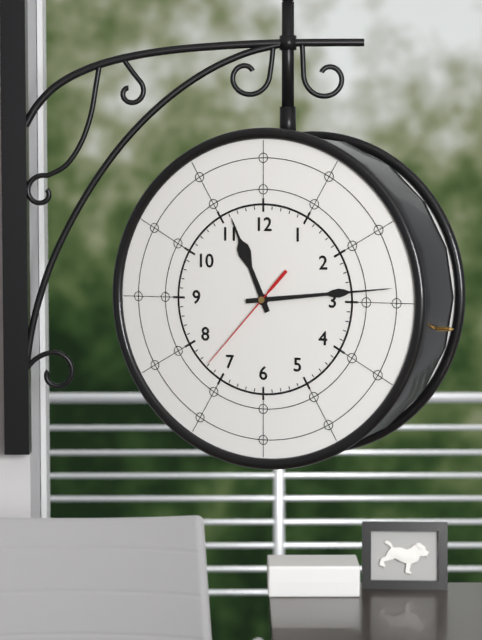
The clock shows 11.14.37
